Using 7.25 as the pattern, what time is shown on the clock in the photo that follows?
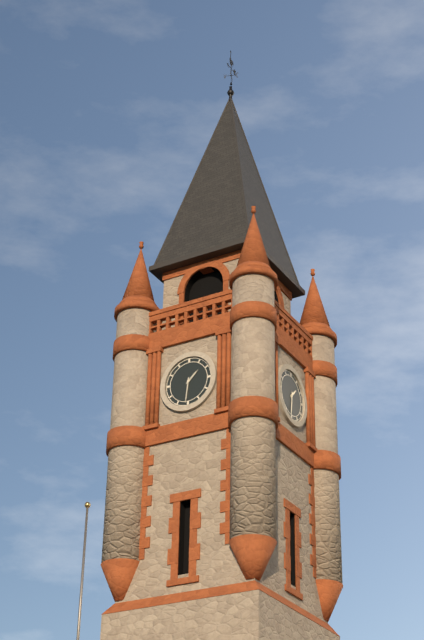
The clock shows 1.31
